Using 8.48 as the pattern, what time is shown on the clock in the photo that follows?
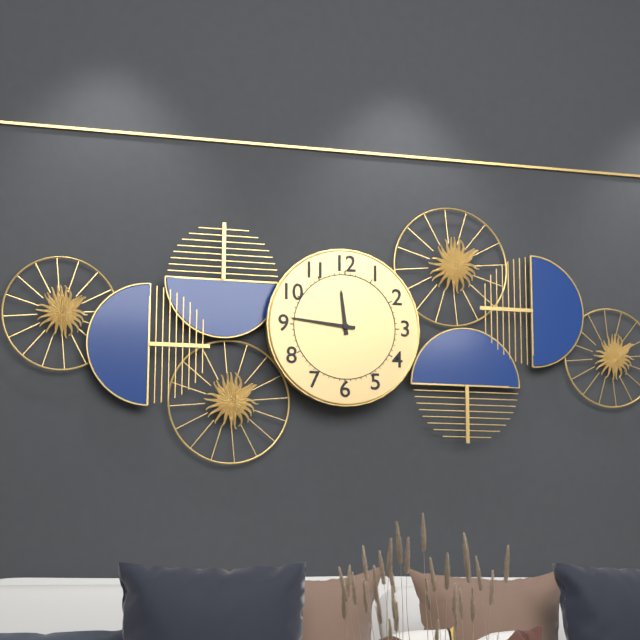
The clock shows 11.46
